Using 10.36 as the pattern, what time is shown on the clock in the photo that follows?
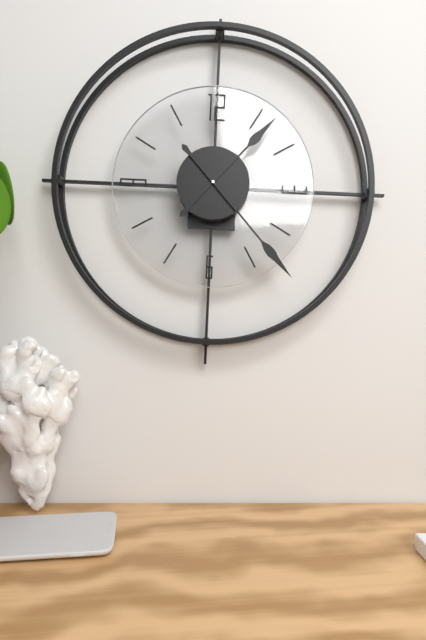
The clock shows 1.23
